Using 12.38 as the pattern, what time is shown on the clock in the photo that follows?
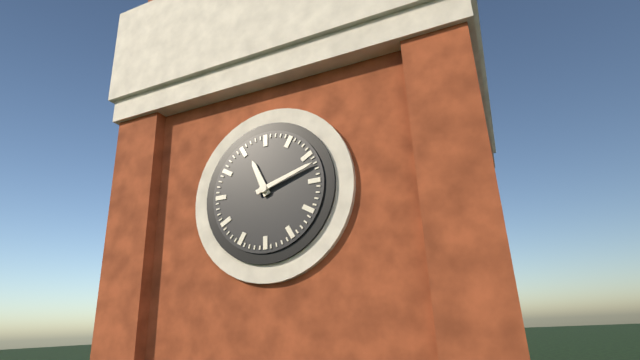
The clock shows 11.12
